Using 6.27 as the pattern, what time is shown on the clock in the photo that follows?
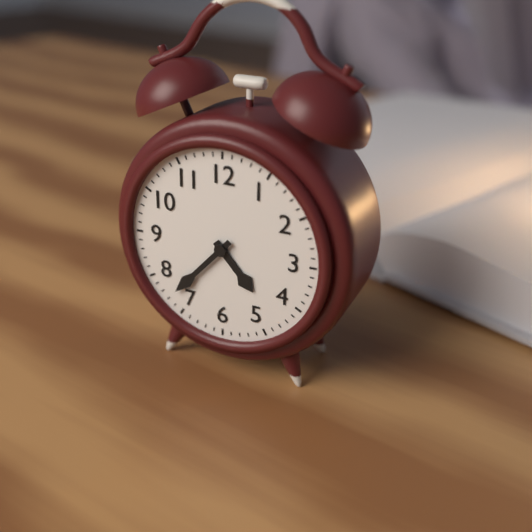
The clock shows 4.37
